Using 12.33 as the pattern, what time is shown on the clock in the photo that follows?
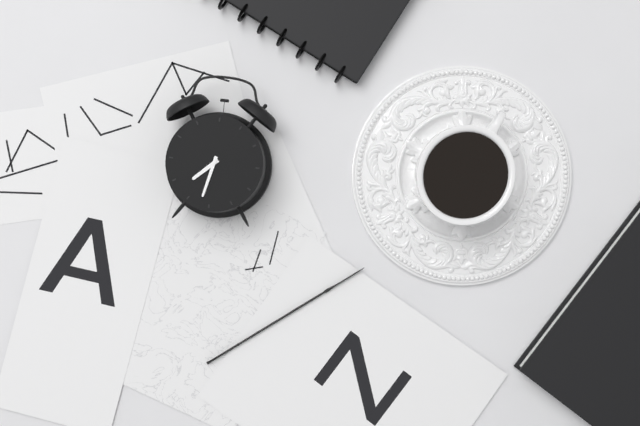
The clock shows 7.32
